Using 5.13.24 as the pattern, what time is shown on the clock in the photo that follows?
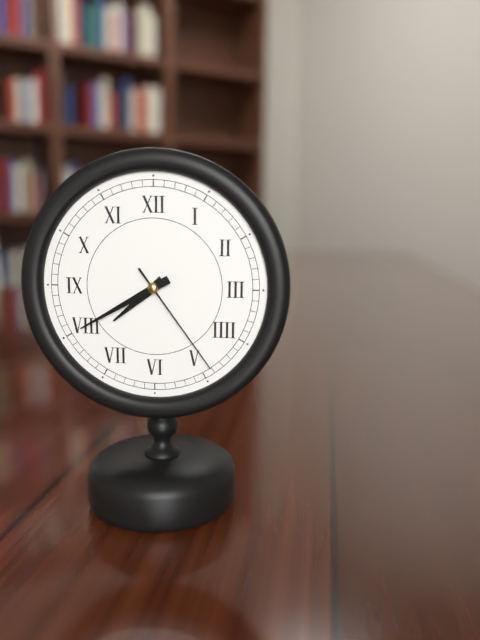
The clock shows 7.40.24
